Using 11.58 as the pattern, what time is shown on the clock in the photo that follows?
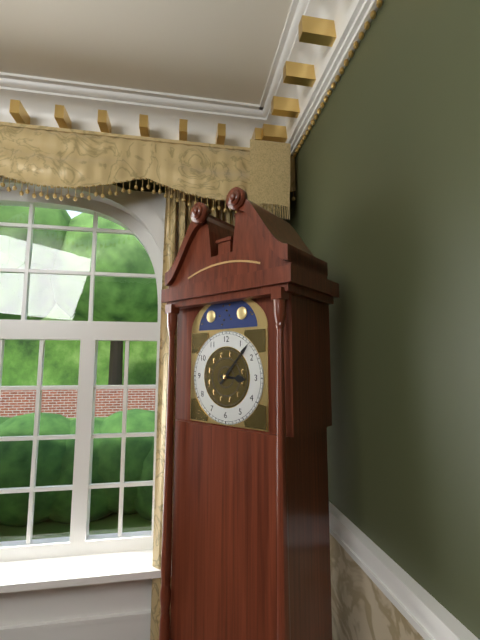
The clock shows 3.07
